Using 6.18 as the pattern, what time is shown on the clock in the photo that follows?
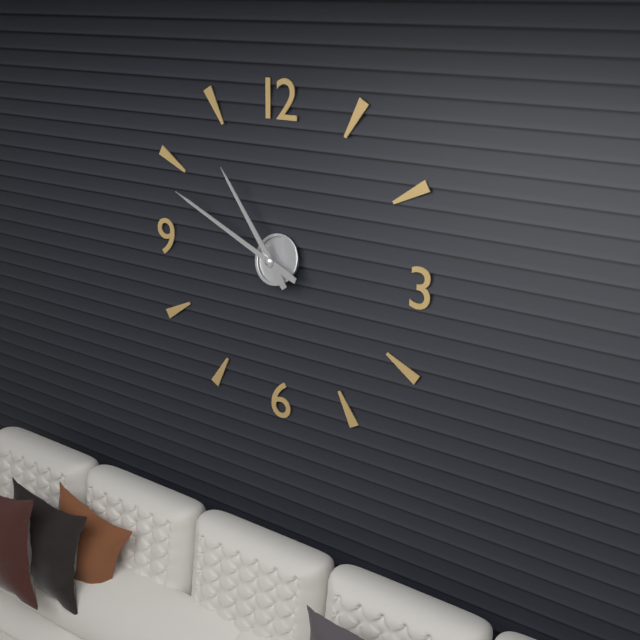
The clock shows 10.49
